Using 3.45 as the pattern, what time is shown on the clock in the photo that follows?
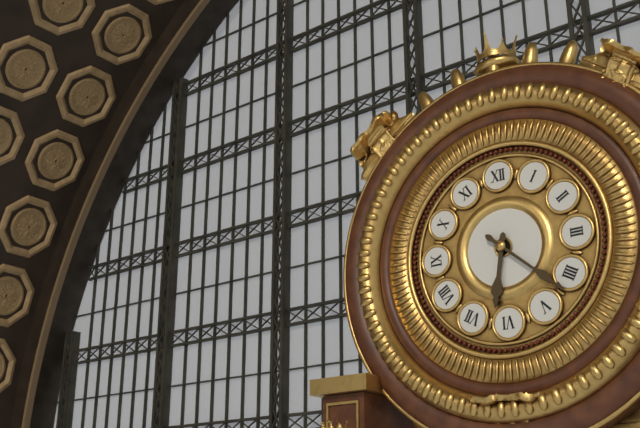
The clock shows 6.22
